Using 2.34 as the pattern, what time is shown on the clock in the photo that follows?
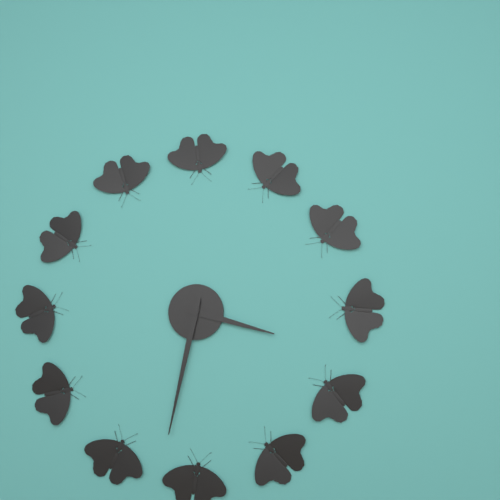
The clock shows 3.32
